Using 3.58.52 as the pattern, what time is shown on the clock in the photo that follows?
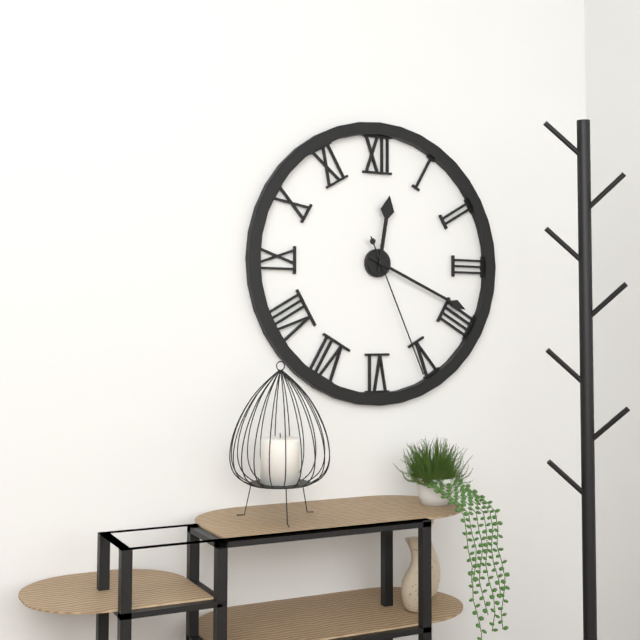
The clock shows 12.19.26
